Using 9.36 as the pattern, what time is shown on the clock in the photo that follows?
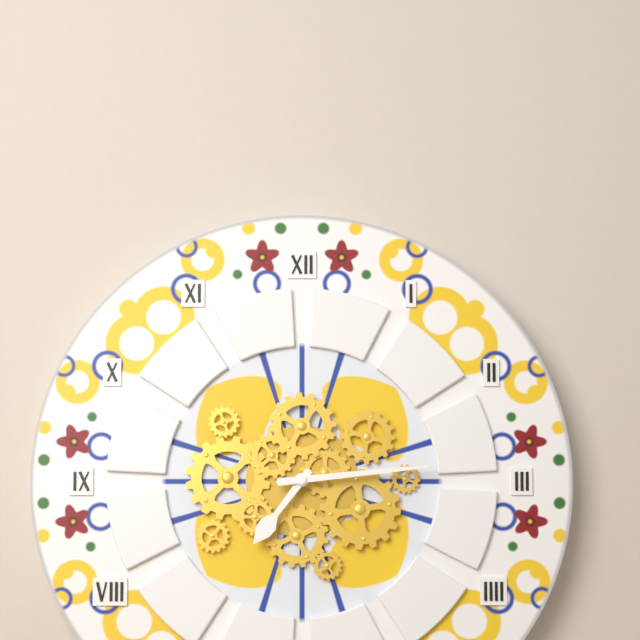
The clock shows 7.14
